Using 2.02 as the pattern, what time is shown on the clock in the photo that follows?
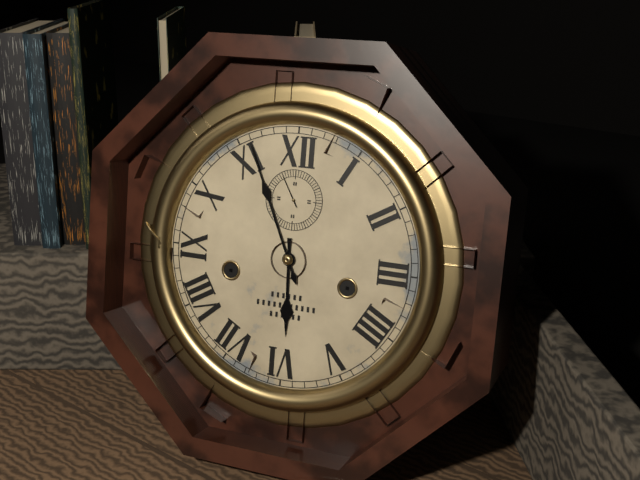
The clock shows 5.56
